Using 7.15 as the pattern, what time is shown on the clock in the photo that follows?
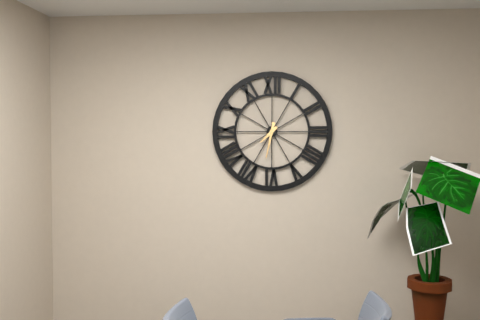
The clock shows 7.32
